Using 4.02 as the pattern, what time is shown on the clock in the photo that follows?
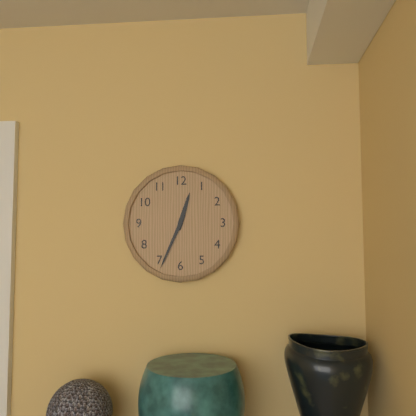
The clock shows 12.34
